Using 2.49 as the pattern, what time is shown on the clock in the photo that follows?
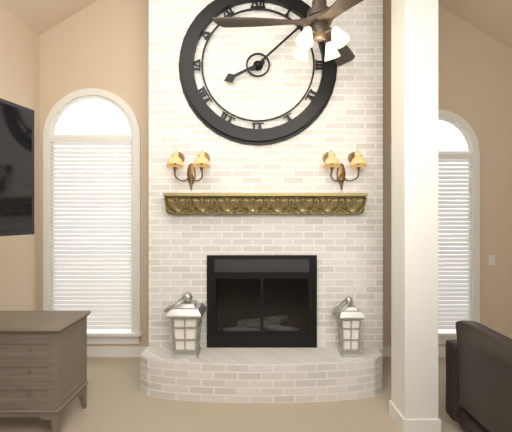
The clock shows 8.08
